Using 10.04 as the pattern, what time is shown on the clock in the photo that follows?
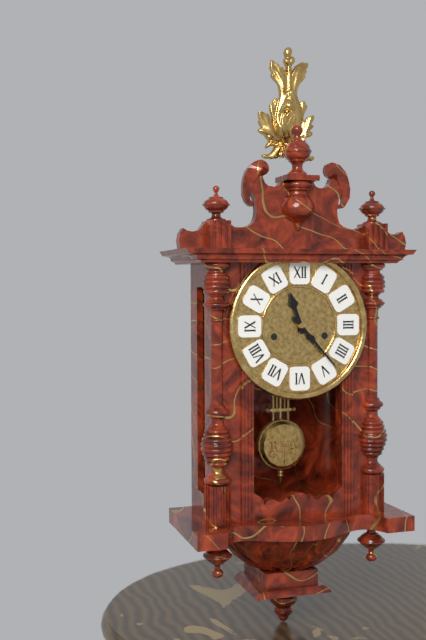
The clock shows 11.23
